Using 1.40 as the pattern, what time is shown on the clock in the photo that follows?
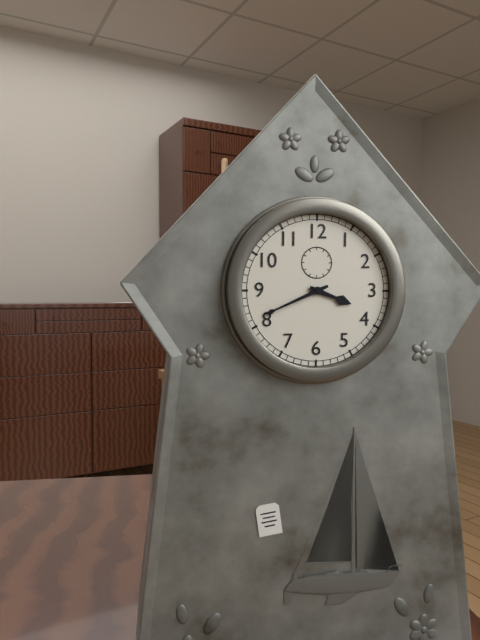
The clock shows 3.41
